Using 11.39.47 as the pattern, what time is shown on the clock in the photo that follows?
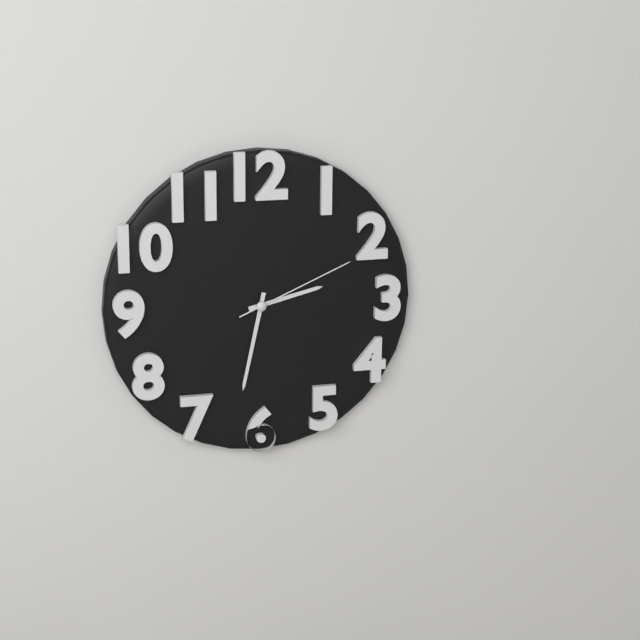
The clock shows 2.32.11
